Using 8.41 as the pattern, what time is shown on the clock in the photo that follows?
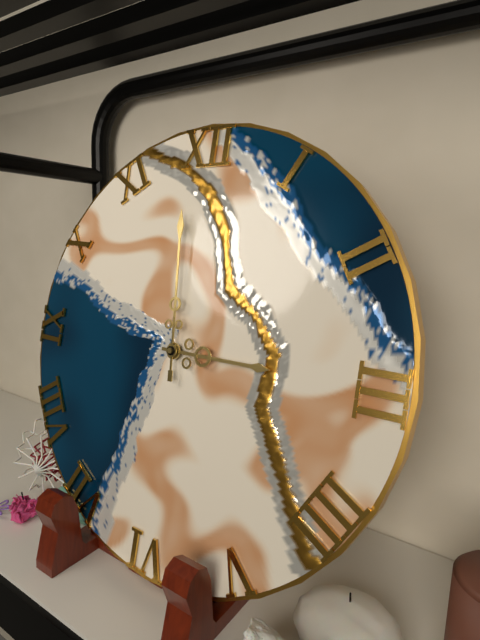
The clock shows 2.59
